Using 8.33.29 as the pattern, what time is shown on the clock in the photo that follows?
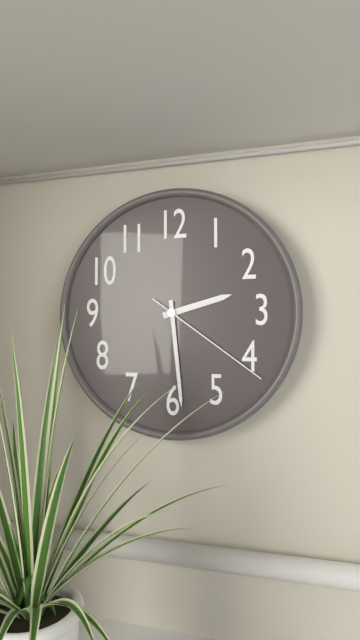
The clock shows 2.29.21
